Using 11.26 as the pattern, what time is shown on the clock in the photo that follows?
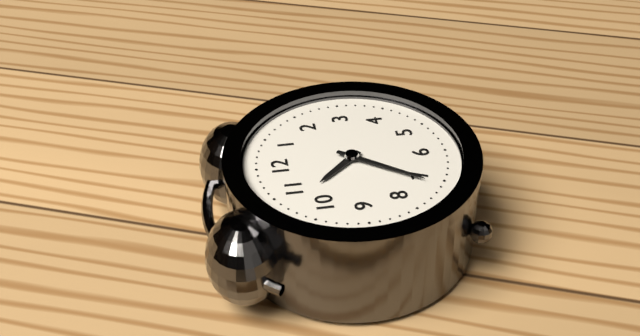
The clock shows 10.36
